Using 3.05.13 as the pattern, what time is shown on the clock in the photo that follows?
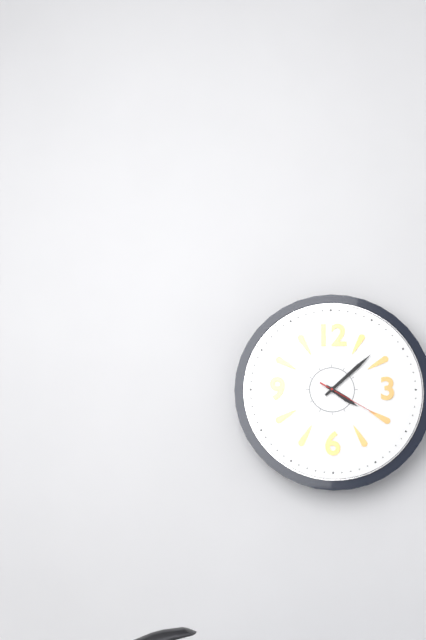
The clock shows 4.08.20
